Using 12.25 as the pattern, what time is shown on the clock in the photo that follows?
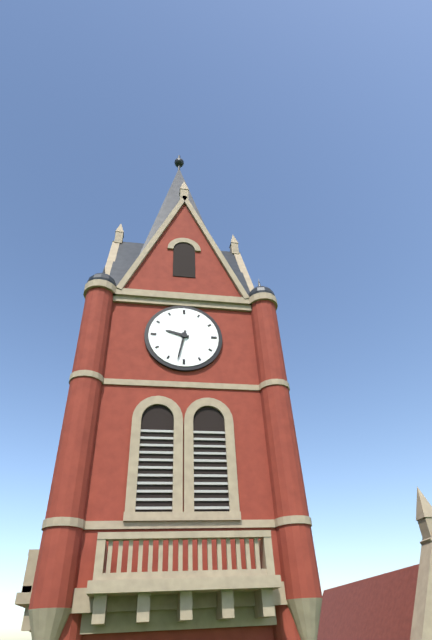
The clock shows 9.32
